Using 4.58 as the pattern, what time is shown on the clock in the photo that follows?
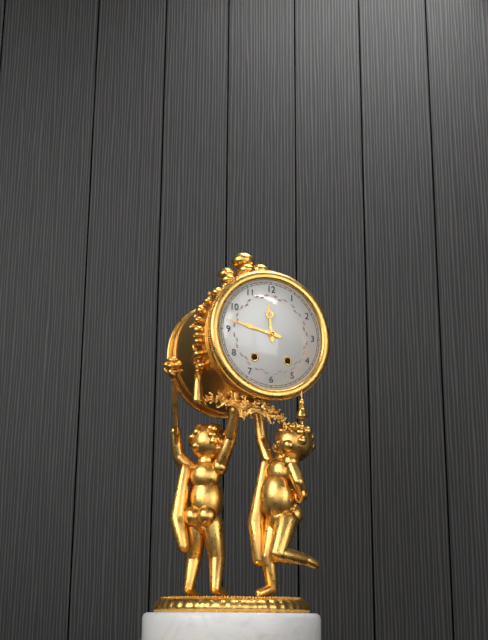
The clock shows 11.47
